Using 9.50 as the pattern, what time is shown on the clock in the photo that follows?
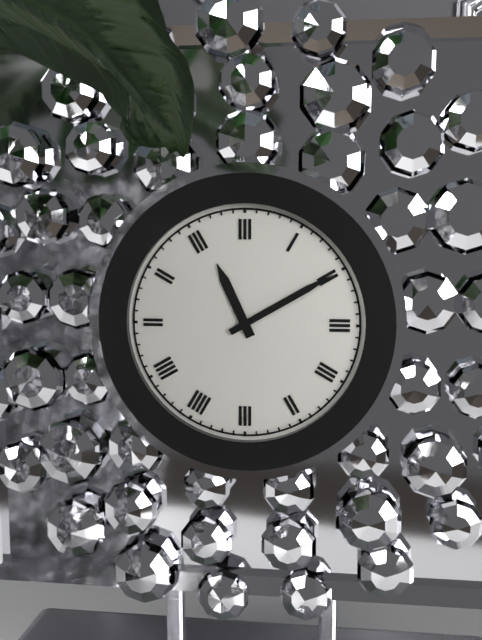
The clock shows 11.10
